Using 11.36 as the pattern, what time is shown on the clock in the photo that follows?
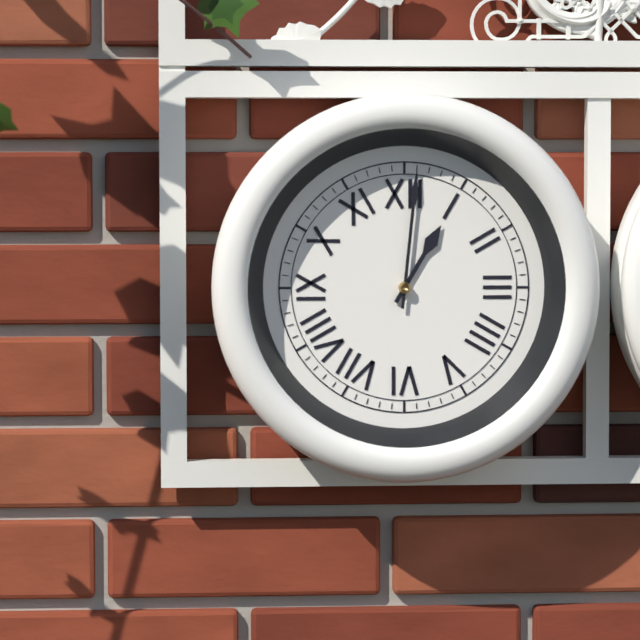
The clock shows 1.01
